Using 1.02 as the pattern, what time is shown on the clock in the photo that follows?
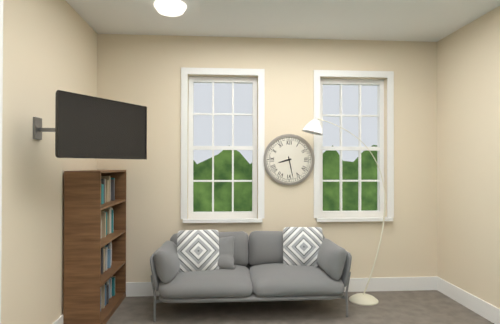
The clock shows 8.28
